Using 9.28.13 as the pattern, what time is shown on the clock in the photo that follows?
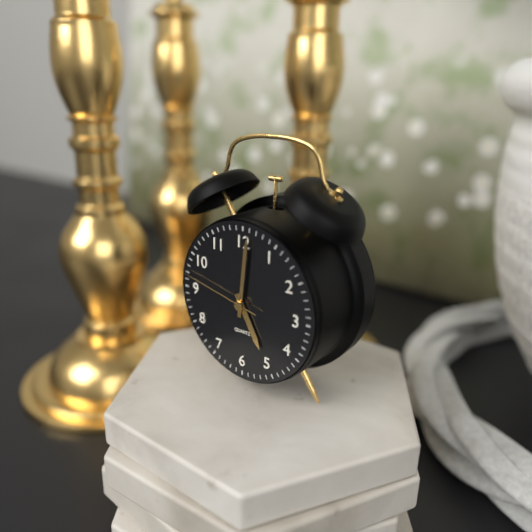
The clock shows 5.01.47
